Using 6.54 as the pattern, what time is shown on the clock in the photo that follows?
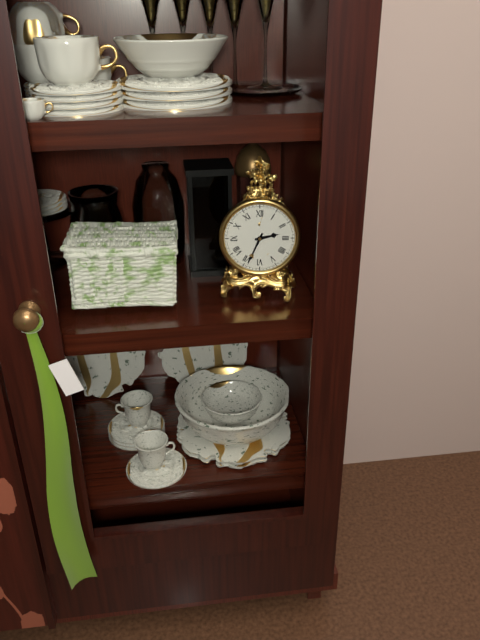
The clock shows 2.34
